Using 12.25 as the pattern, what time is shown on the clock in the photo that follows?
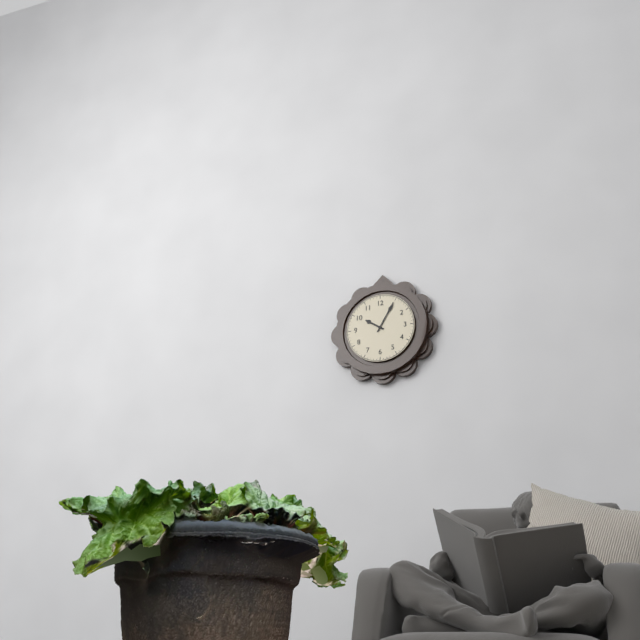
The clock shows 10.05
